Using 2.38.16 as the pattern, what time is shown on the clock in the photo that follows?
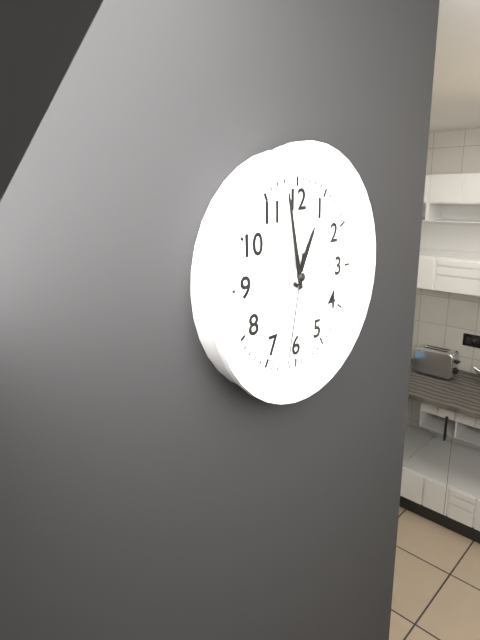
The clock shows 12.58.32
